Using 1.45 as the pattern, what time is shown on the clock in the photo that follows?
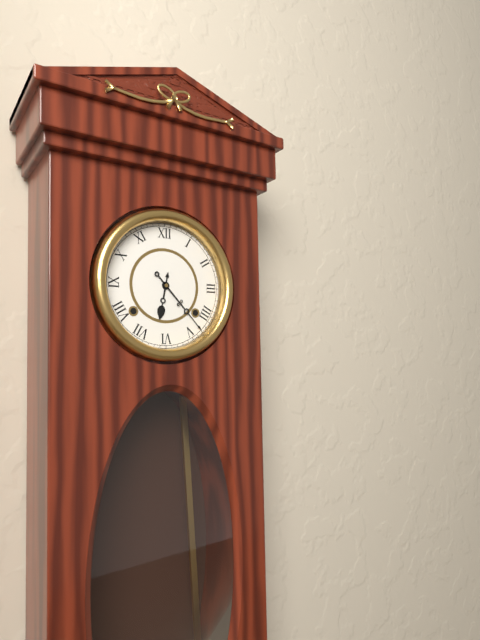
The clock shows 6.23
